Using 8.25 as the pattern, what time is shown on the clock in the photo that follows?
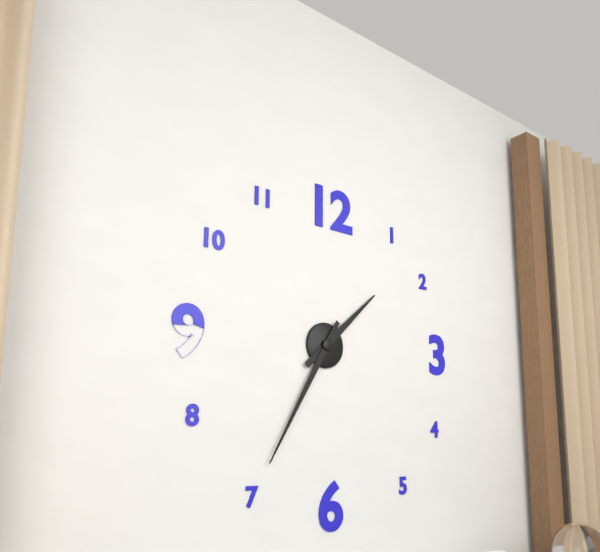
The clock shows 1.35
